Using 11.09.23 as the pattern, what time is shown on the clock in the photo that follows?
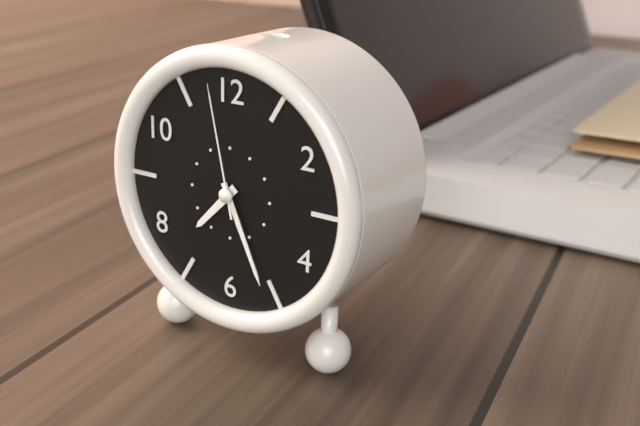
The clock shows 7.26.58
